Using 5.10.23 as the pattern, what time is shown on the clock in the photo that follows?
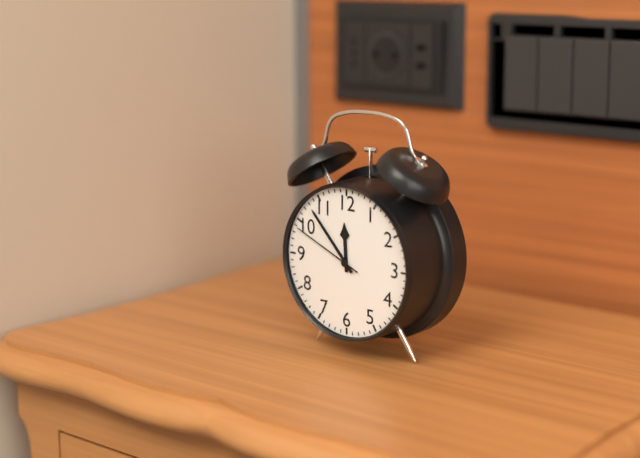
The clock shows 11.53.49
